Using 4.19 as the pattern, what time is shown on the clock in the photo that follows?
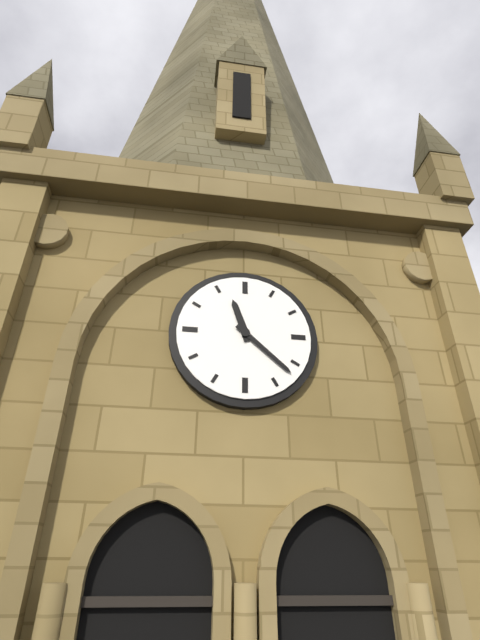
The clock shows 11.22
